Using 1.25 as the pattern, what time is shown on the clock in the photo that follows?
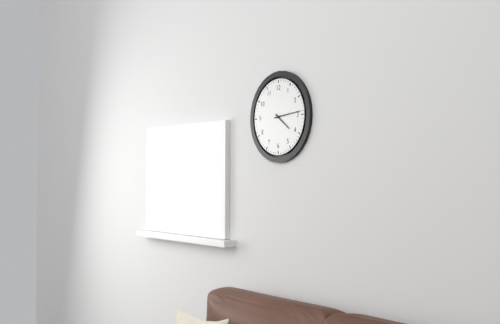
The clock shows 4.14
